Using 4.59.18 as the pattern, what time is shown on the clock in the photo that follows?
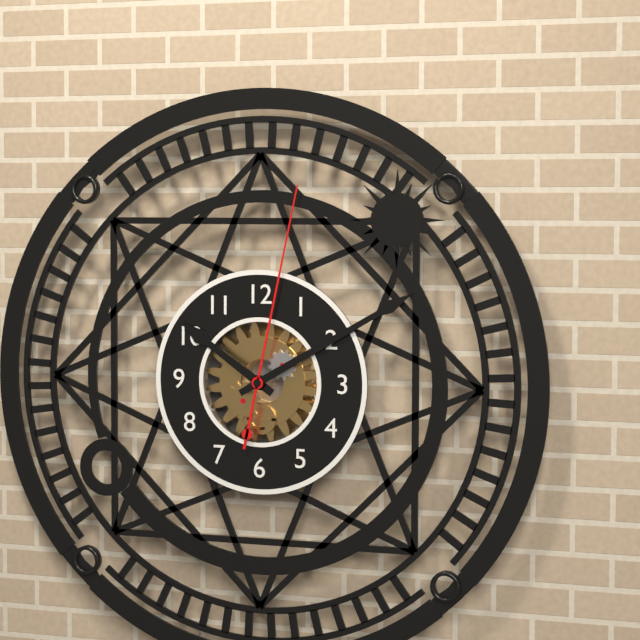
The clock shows 10.10.02
